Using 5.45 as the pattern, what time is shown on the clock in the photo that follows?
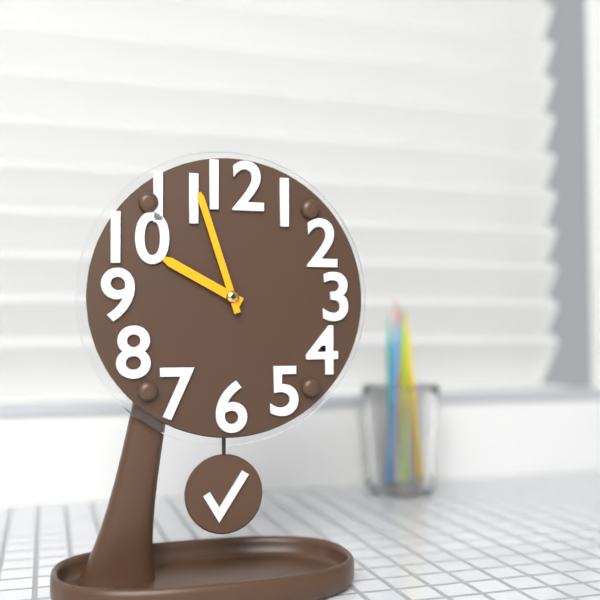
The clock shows 9.57
